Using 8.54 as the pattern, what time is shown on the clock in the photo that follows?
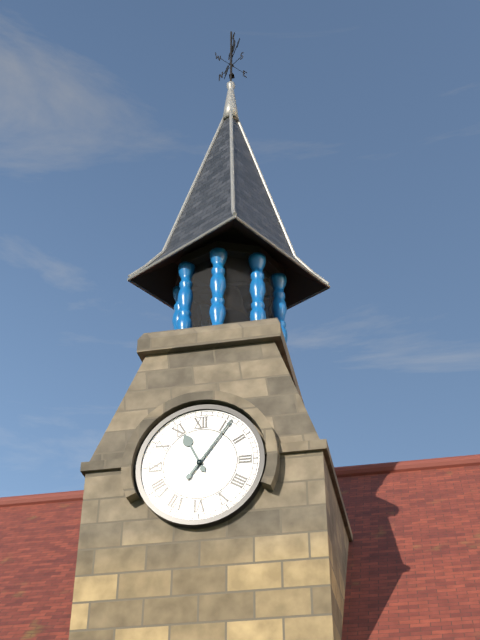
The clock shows 11.06
